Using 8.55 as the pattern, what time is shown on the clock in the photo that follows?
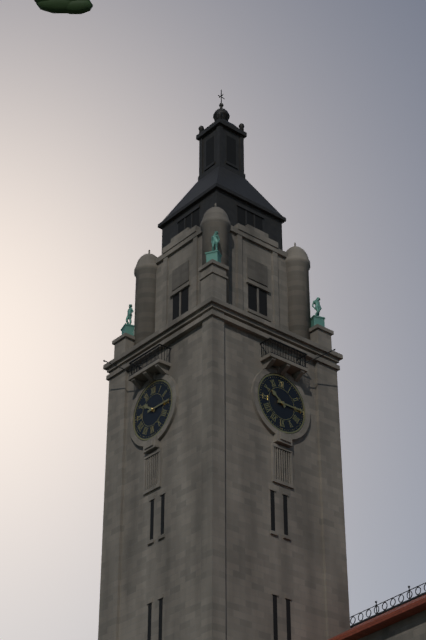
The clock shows 10.15
